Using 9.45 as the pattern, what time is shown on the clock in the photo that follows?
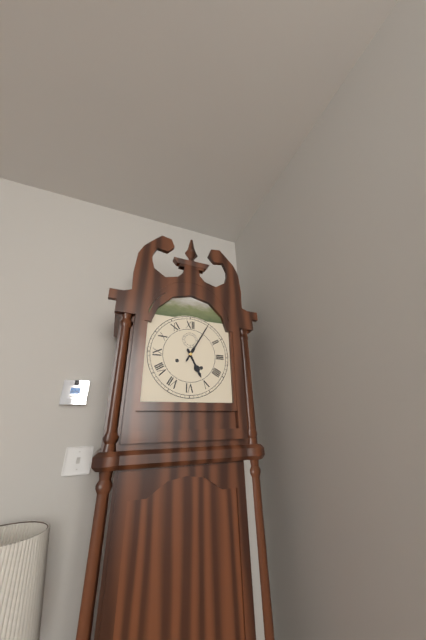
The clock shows 5.05
